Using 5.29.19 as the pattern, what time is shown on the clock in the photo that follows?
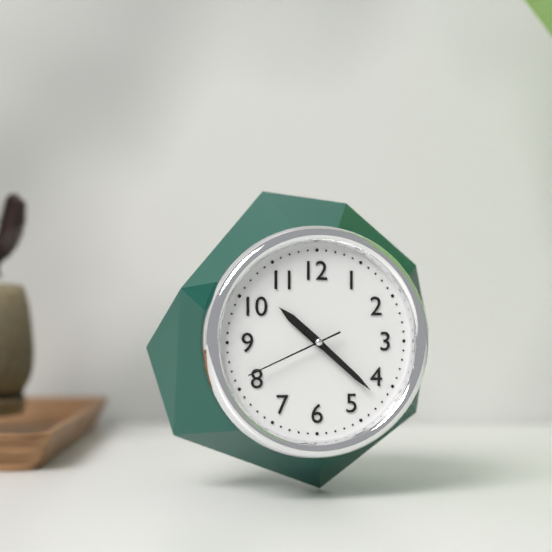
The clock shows 10.22.41
